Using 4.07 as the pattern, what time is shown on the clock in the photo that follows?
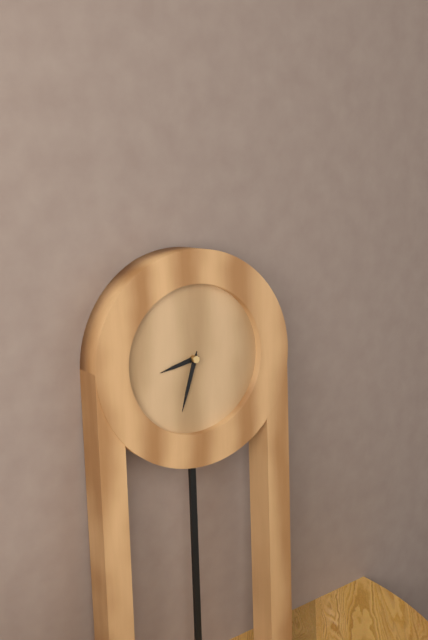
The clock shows 8.33
